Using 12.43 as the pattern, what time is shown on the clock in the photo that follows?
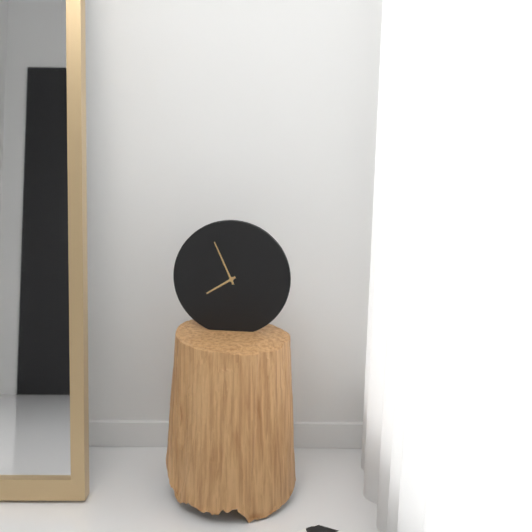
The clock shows 7.56
